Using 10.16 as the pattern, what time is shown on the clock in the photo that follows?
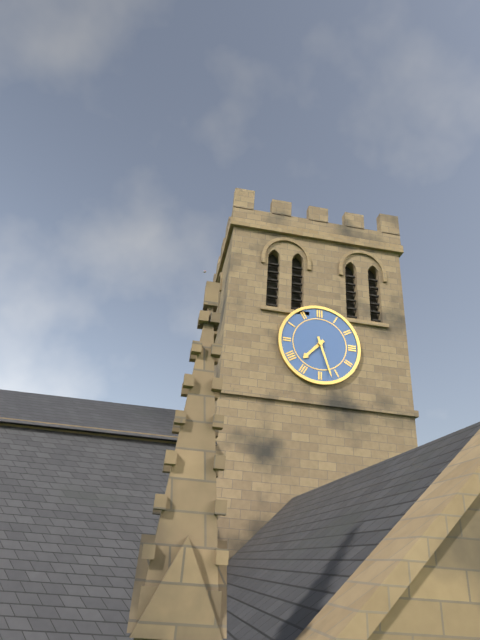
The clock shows 7.27
